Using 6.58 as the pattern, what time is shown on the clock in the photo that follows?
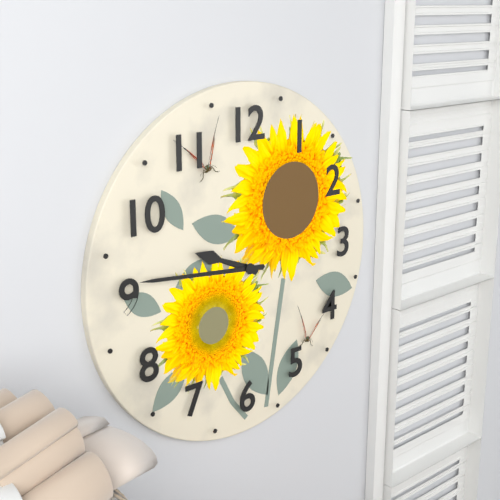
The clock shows 9.46
